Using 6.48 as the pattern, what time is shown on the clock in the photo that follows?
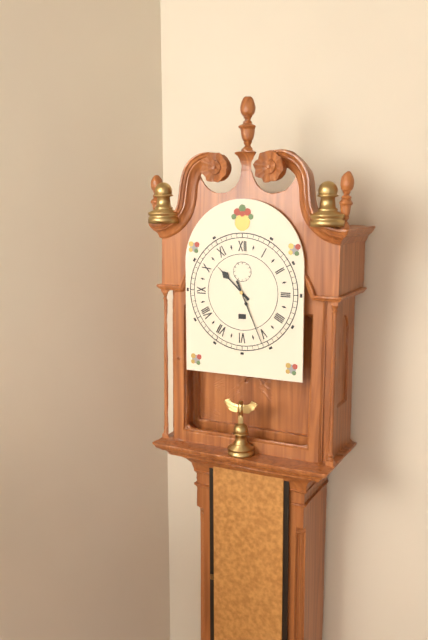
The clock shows 10.26
